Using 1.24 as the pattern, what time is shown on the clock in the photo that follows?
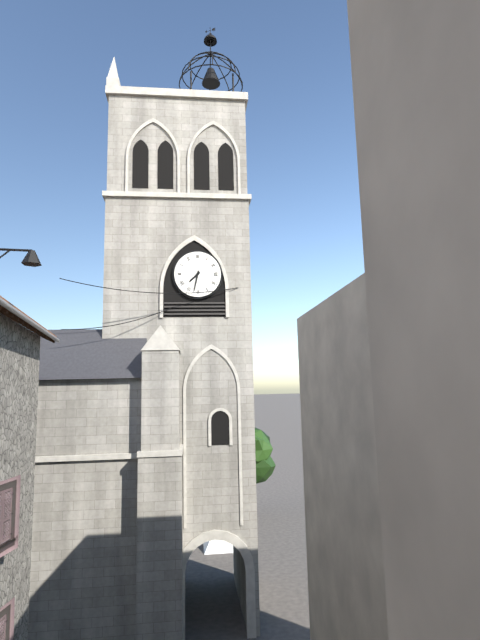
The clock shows 7.32
